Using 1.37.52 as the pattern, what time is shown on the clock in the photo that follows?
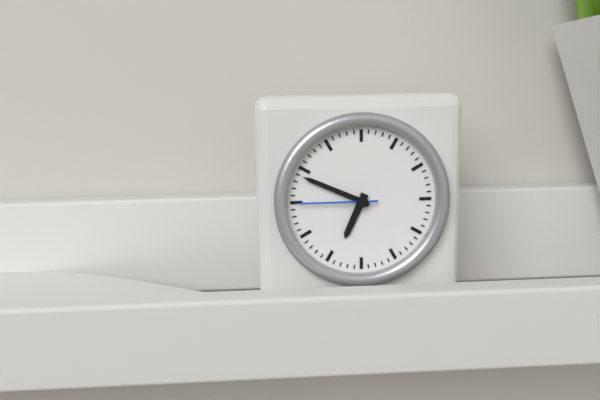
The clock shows 6.49.45
